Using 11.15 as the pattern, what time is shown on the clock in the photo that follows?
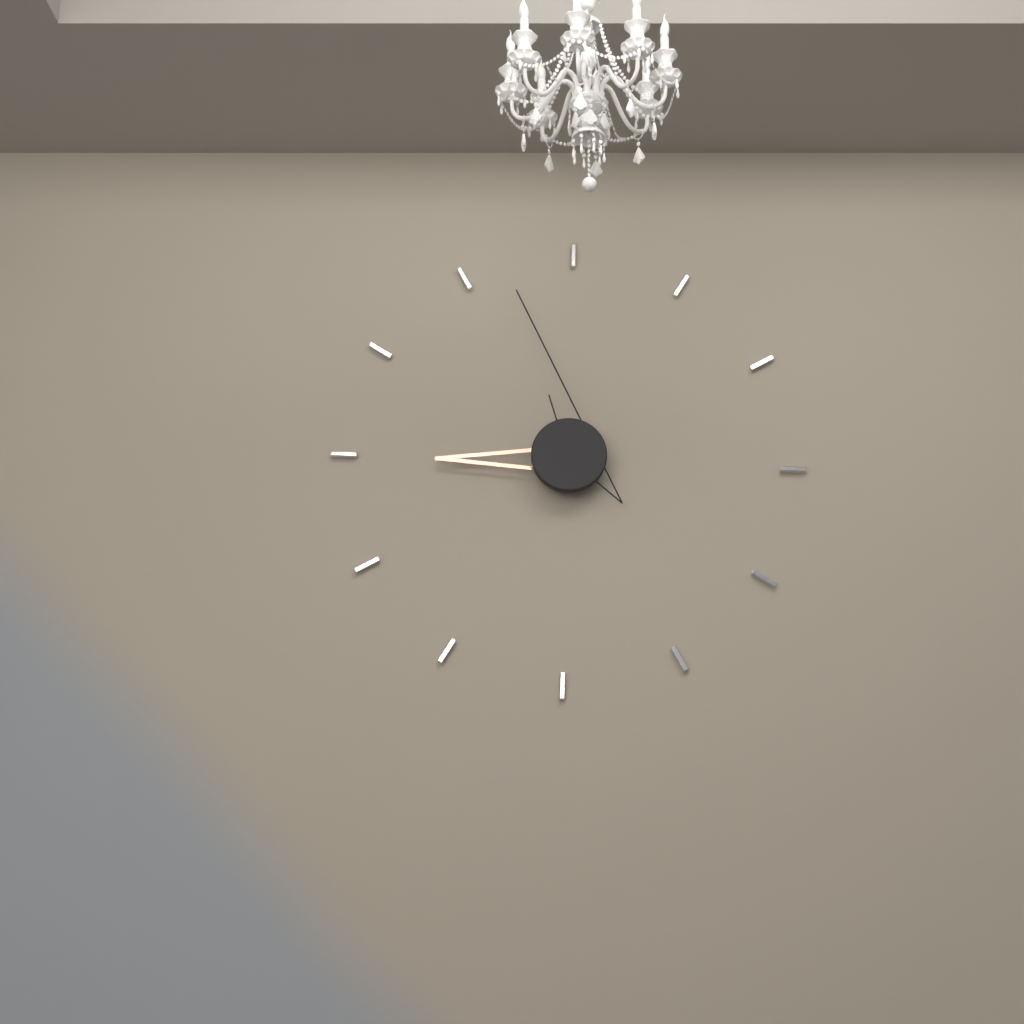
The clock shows 8.57
